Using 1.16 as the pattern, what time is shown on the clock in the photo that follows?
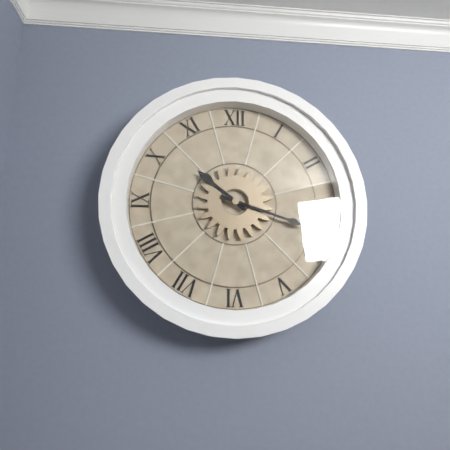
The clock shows 10.18
